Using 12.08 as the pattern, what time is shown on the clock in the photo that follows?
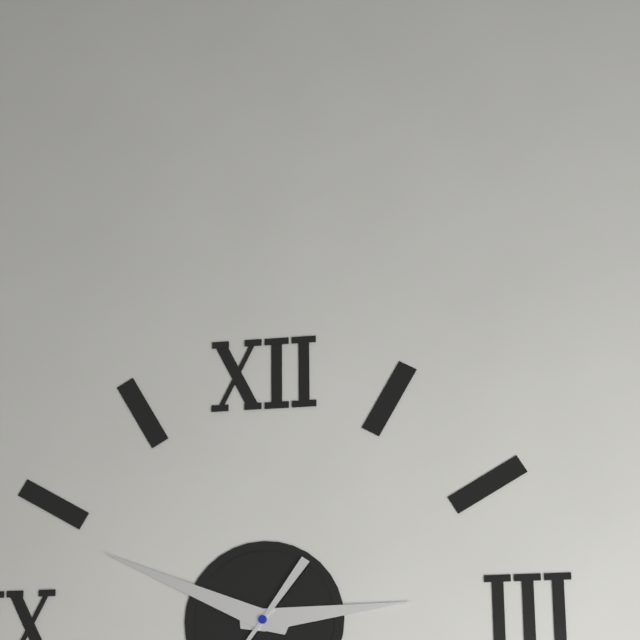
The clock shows 2.49
